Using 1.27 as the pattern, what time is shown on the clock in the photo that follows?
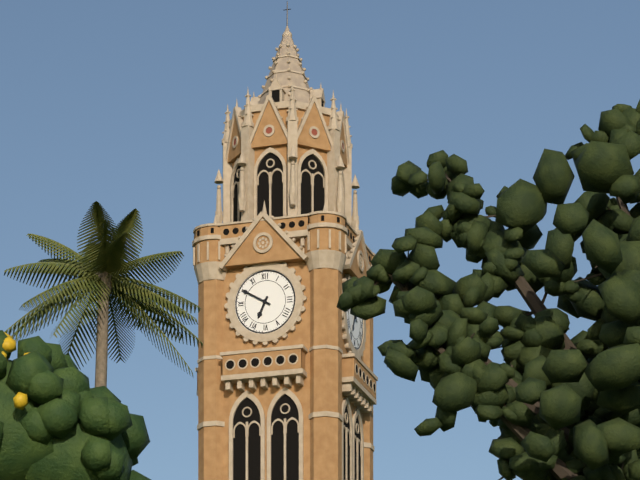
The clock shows 6.50
